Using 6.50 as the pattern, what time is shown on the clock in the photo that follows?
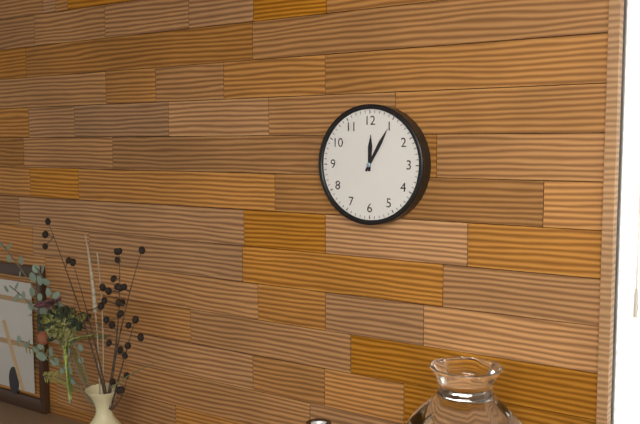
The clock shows 12.05
